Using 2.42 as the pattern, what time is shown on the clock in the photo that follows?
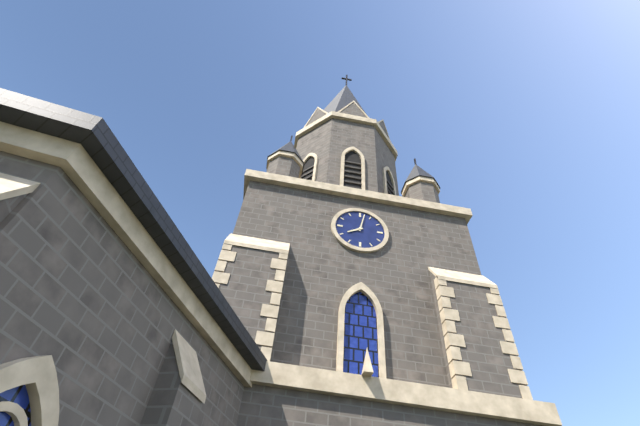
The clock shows 8.02
